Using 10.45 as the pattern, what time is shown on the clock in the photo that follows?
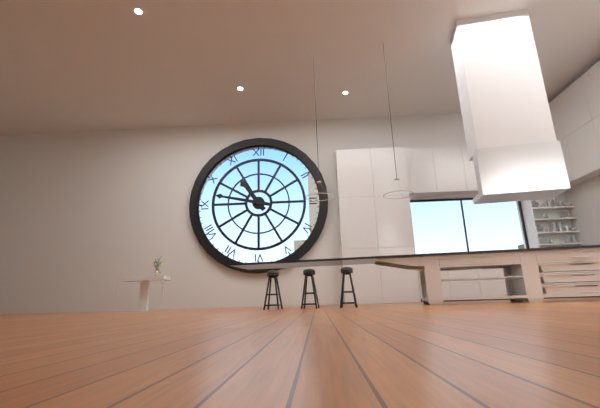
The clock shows 10.47
